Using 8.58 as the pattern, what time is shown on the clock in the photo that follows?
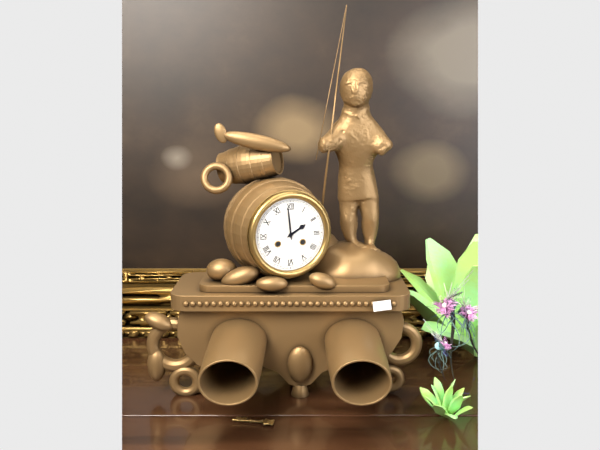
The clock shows 1.59
